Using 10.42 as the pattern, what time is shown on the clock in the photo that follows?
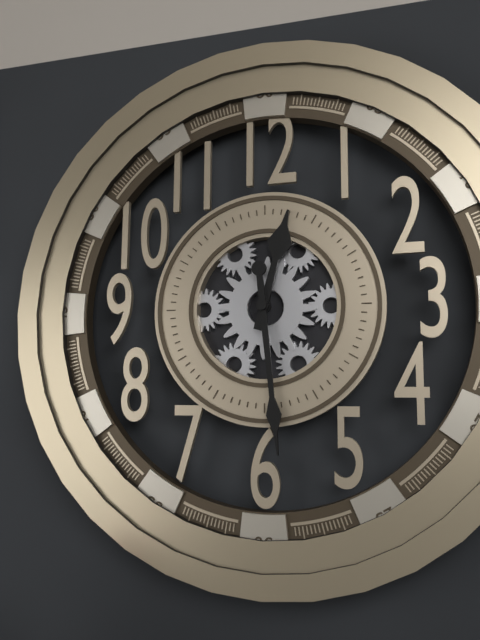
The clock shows 12.29
